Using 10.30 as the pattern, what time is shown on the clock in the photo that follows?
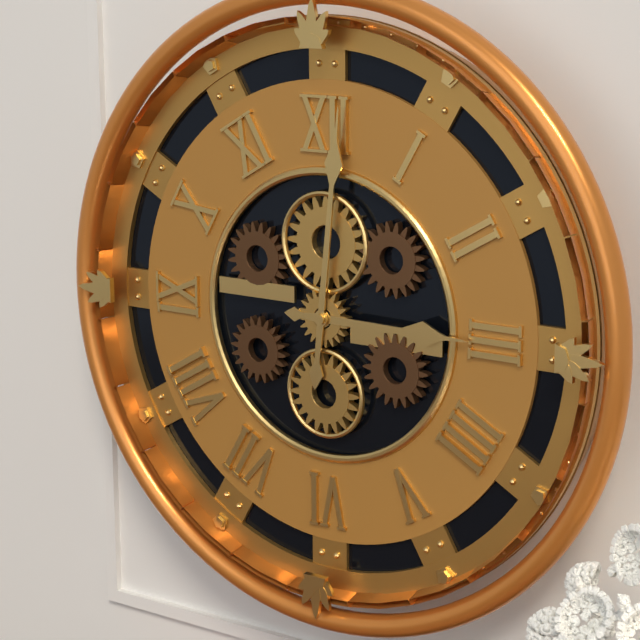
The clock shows 3.01
